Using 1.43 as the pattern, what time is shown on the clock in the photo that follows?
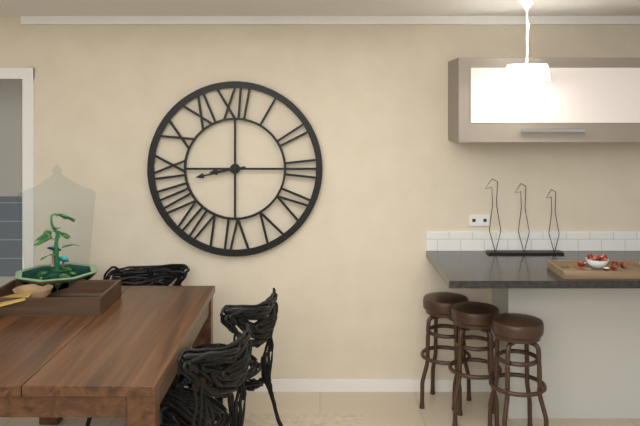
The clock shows 8.43
